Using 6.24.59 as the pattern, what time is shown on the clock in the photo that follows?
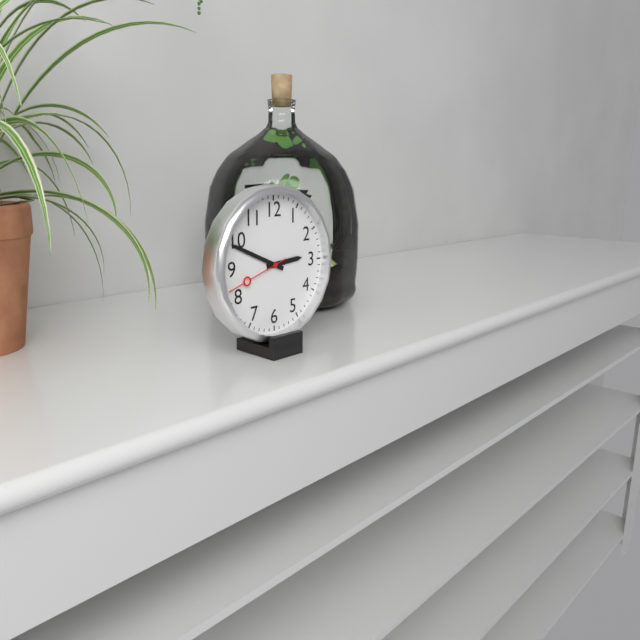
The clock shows 2.49.42
